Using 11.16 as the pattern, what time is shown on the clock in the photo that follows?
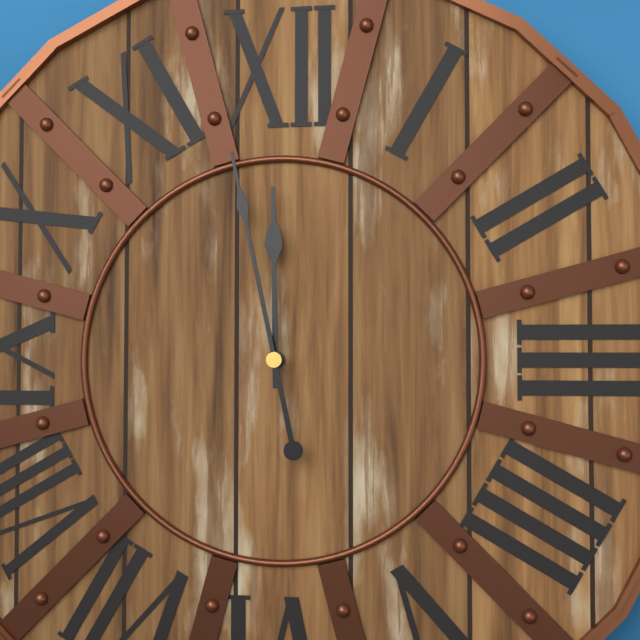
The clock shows 11.58
